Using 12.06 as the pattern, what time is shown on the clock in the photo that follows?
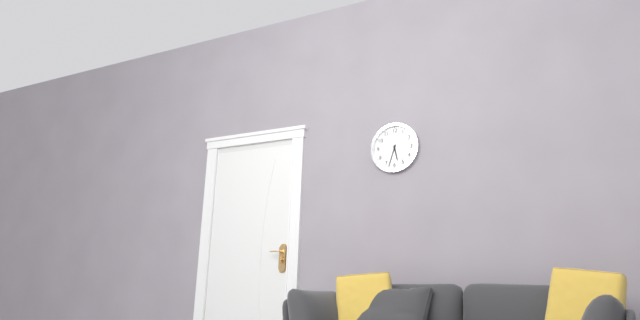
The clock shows 5.33
